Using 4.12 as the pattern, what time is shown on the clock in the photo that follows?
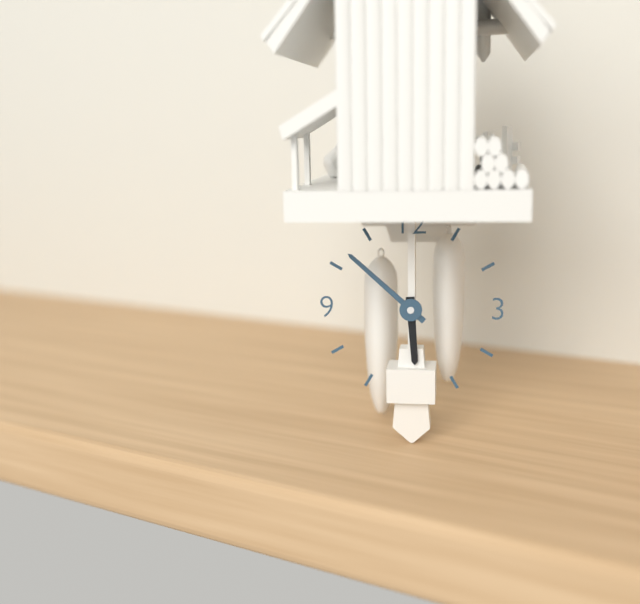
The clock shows 5.52
